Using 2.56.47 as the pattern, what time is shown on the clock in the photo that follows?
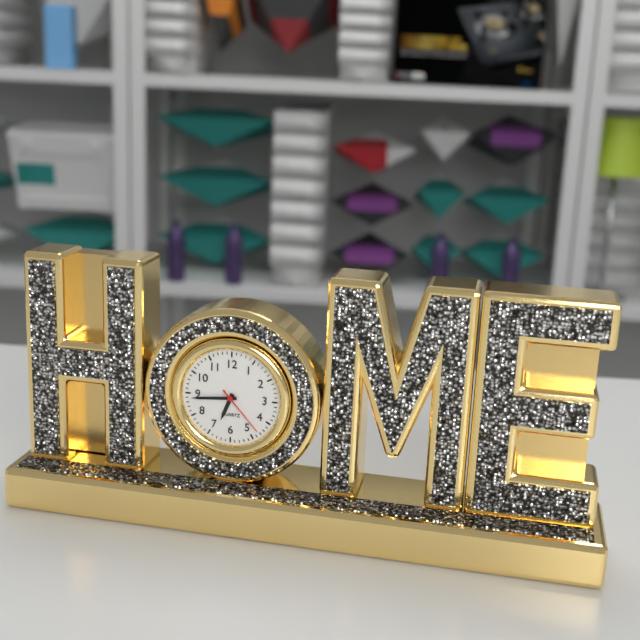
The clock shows 6.44.23
